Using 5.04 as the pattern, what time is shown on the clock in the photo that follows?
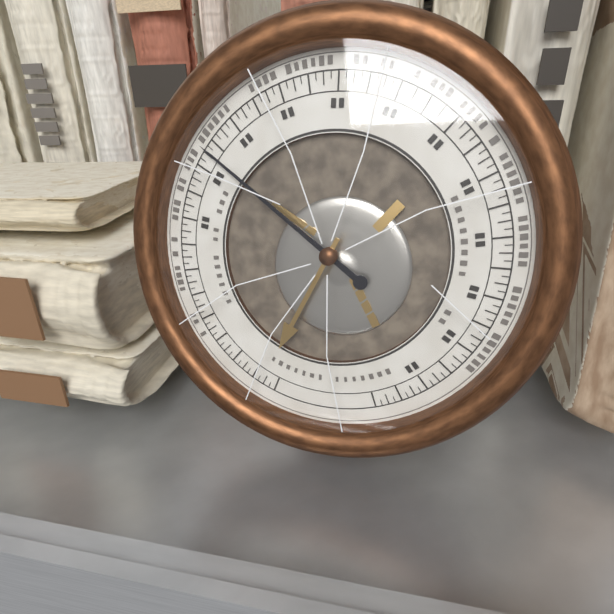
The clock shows 6.51
